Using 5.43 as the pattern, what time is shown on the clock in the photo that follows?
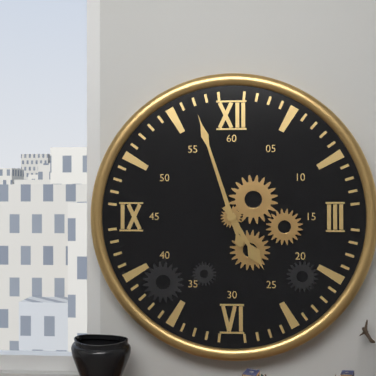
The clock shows 4.57
